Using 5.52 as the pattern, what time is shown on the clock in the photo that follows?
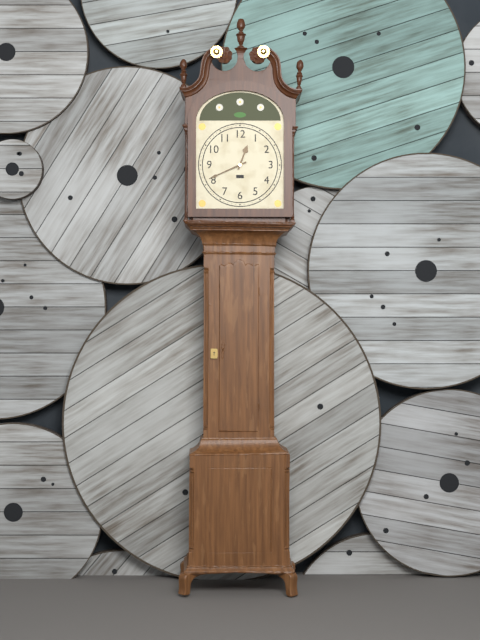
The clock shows 12.41
